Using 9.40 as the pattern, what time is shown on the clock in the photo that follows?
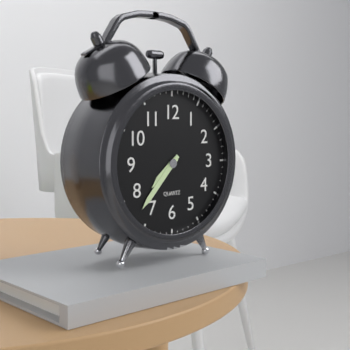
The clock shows 7.37
